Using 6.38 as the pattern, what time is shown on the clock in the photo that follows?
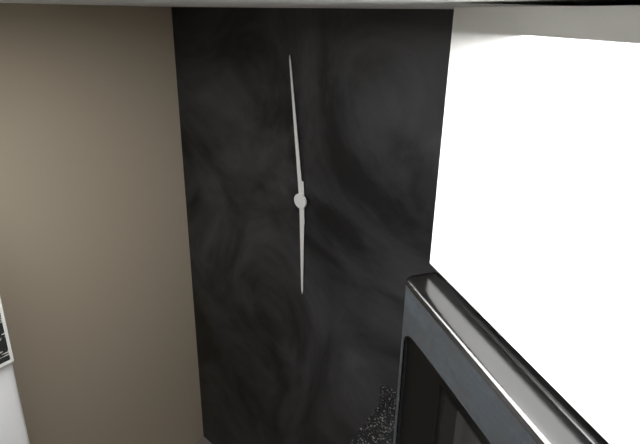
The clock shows 5.59
